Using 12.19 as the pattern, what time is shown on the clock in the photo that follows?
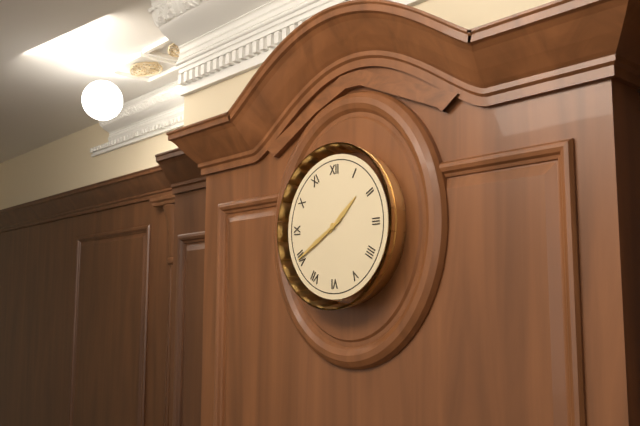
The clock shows 1.40
